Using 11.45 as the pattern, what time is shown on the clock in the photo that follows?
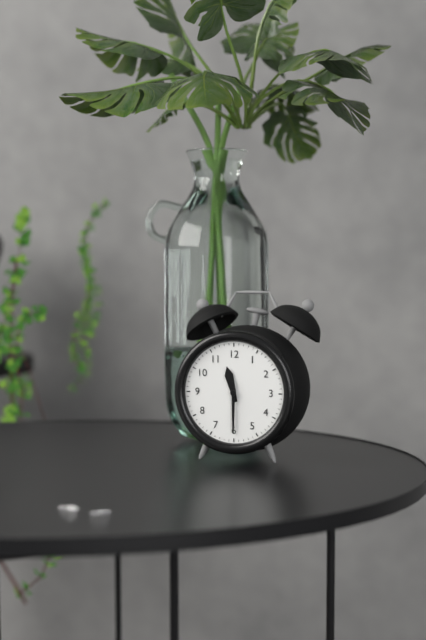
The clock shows 11.30
